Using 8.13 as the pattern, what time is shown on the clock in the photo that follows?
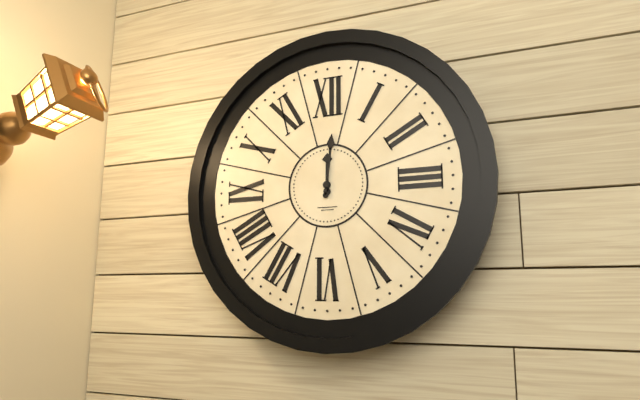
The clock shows 12.01
